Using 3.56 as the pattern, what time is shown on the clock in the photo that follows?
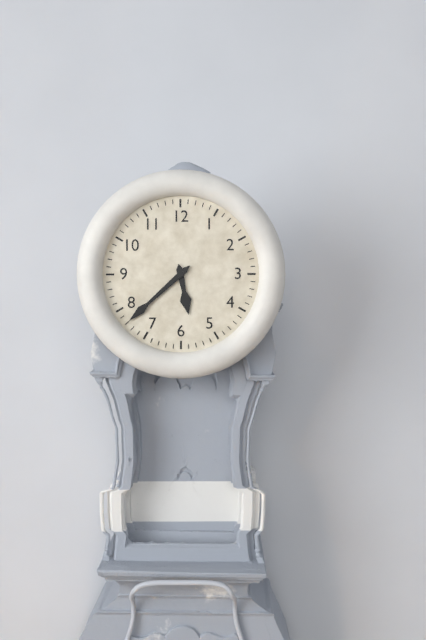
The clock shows 5.38
